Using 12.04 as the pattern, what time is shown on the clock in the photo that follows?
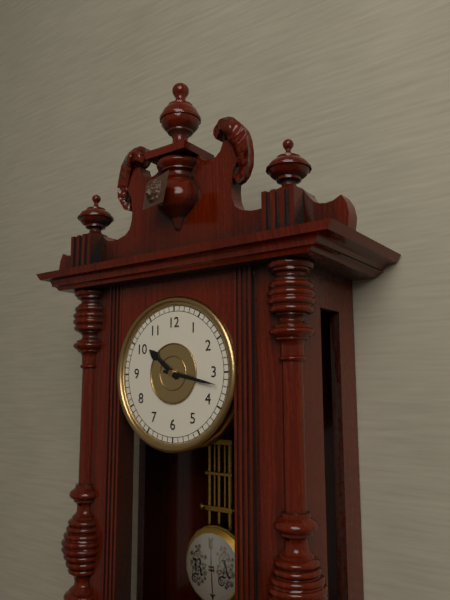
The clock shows 10.17
